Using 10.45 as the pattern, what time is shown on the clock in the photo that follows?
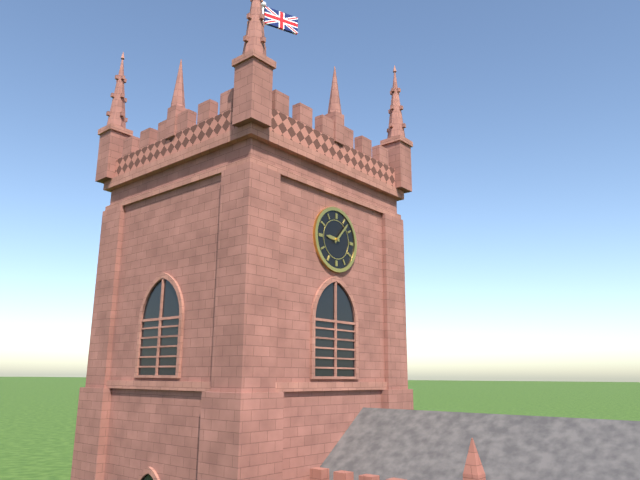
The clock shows 9.07
